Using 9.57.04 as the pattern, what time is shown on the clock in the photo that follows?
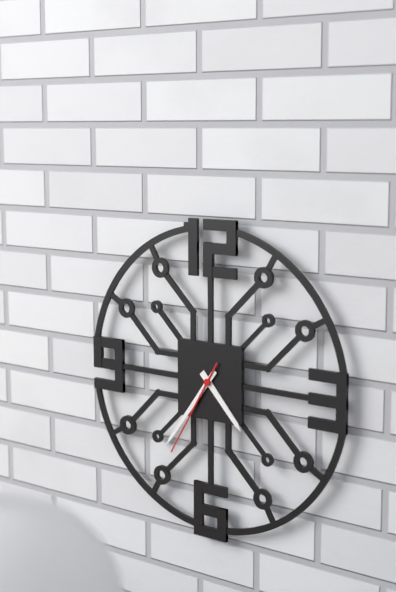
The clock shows 4.36.35
